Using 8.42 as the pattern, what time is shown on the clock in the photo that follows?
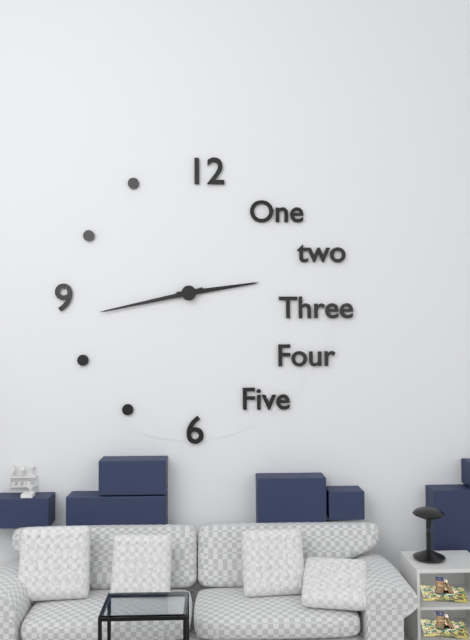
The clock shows 2.43
